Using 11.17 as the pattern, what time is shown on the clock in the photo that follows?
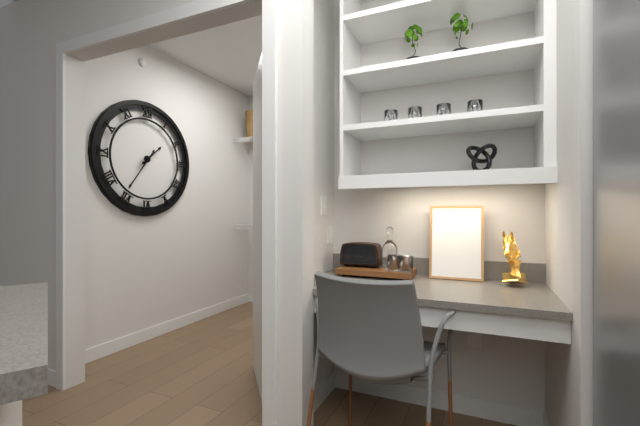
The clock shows 1.36
